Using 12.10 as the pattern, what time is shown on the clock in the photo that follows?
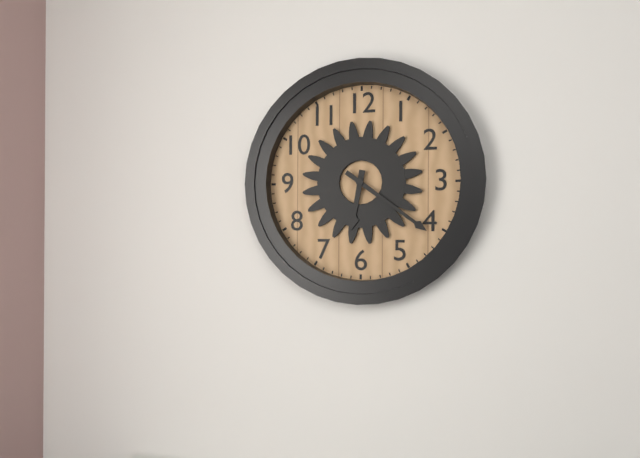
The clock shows 6.21
